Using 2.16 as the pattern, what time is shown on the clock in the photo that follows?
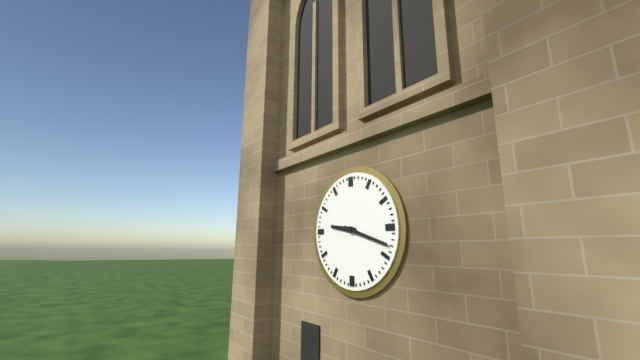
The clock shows 9.18
